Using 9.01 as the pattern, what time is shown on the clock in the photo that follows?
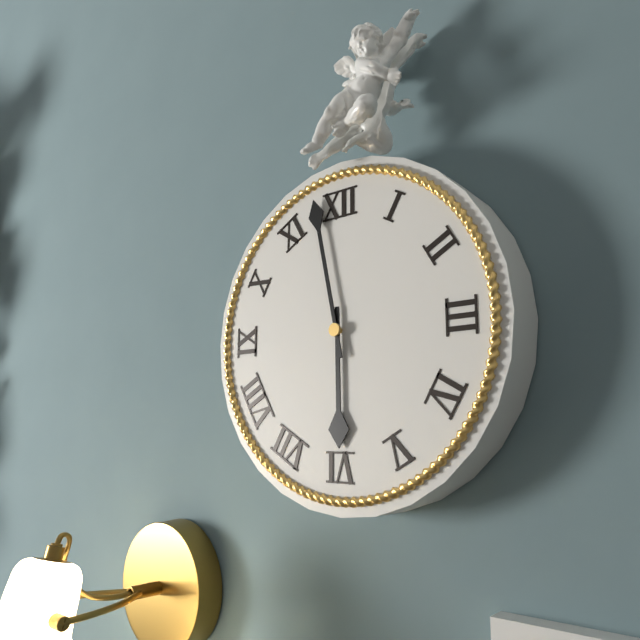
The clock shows 5.58
